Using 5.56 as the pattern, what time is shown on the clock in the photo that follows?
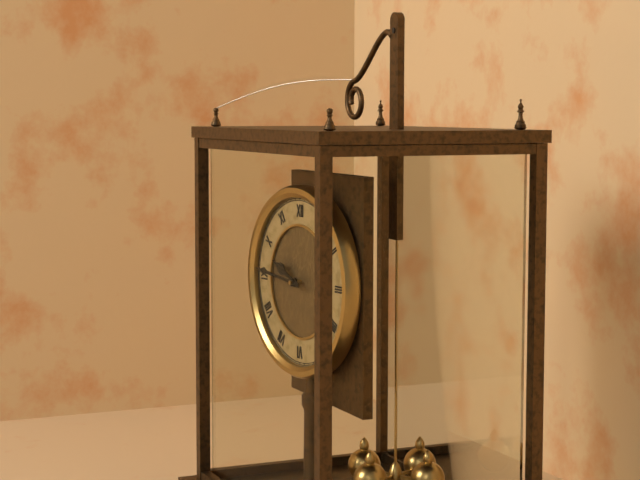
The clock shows 9.46
